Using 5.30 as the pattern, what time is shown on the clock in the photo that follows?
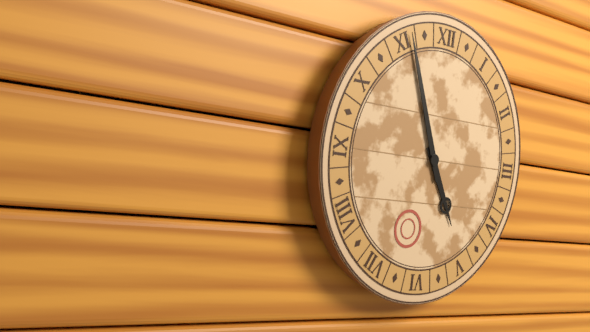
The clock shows 4.56
